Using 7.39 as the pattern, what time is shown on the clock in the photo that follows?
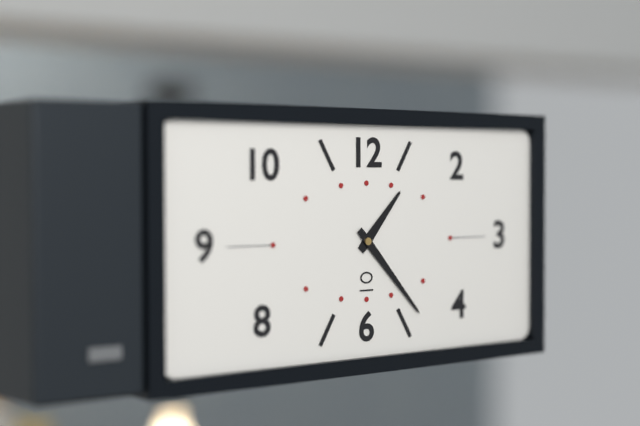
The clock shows 1.23
